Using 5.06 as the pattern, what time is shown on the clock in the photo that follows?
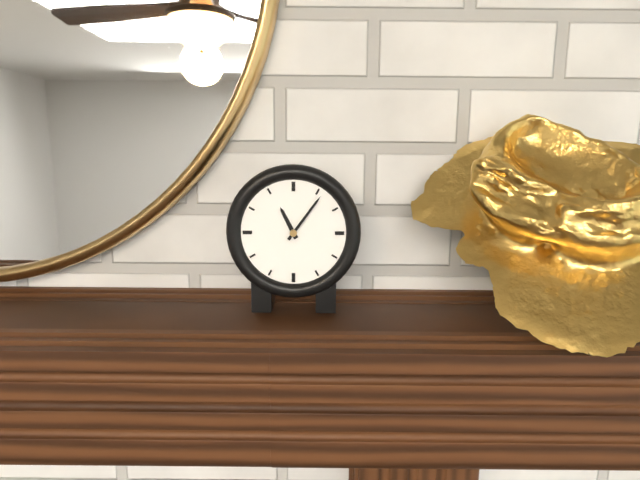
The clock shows 11.06
